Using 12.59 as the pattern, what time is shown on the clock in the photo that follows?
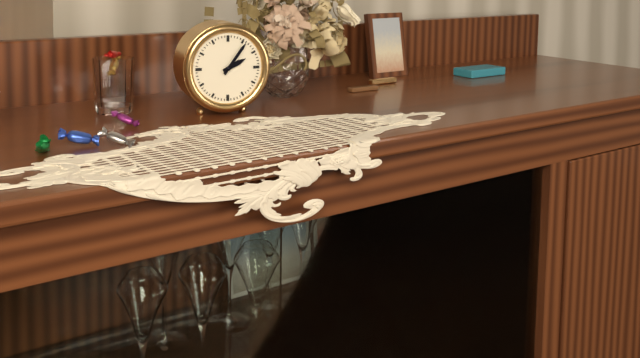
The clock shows 2.06
